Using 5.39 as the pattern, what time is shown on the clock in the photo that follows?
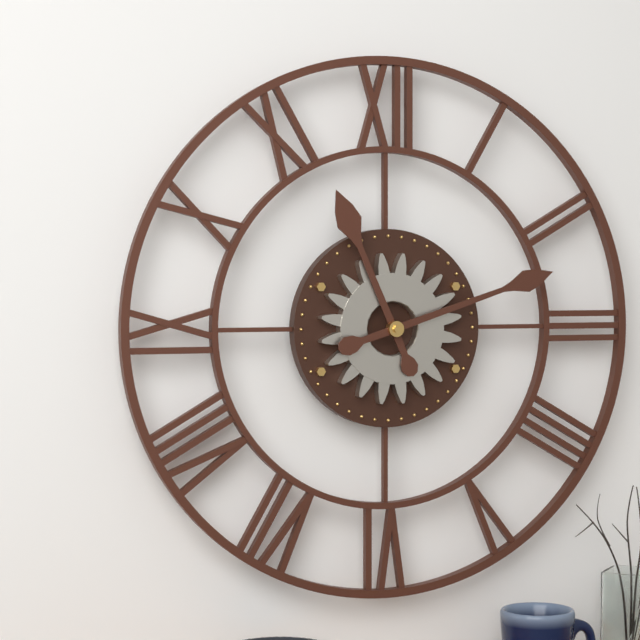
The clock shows 11.12
